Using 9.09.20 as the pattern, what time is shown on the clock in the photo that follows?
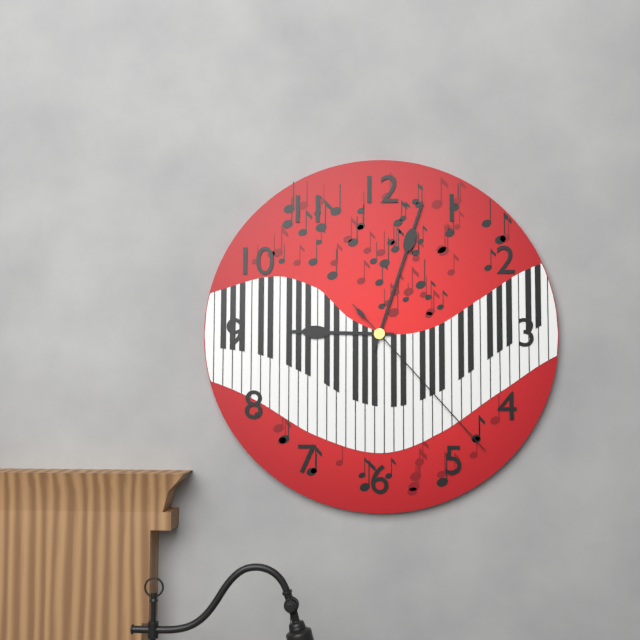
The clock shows 9.03.23
